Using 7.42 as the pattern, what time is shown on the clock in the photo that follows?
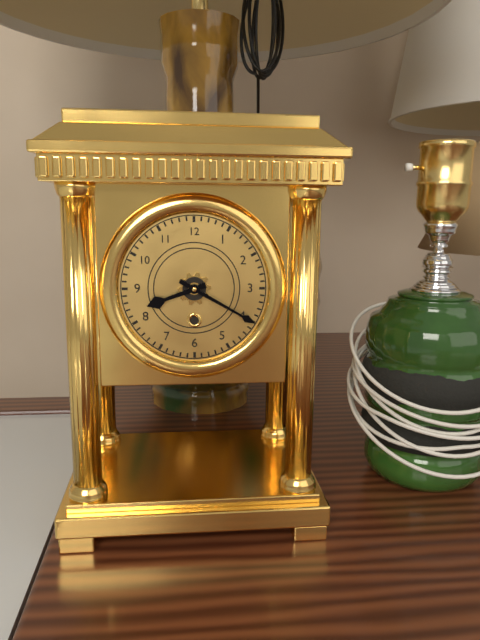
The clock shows 8.20
